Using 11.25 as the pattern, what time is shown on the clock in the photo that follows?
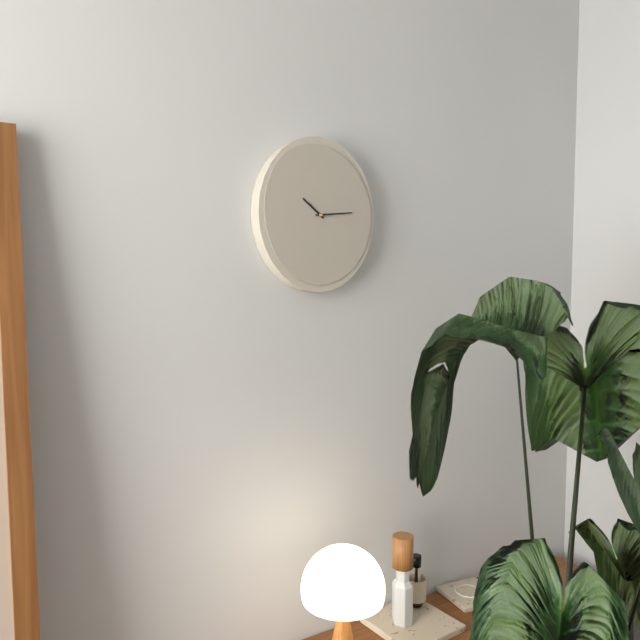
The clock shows 10.14
